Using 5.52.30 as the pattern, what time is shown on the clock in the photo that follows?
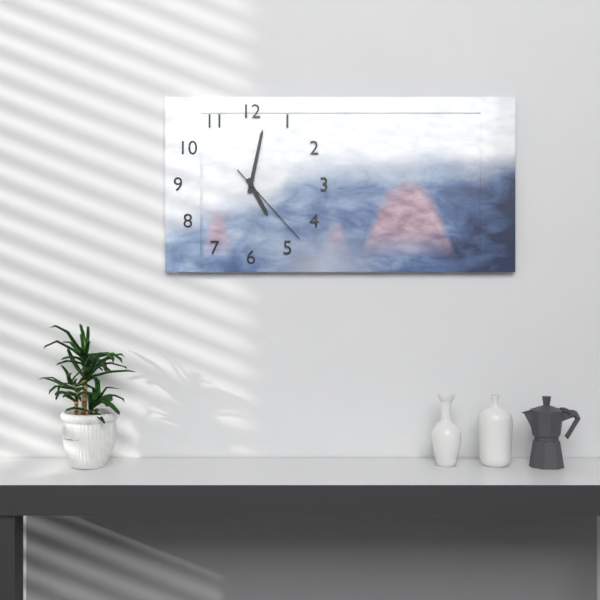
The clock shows 5.02.23
